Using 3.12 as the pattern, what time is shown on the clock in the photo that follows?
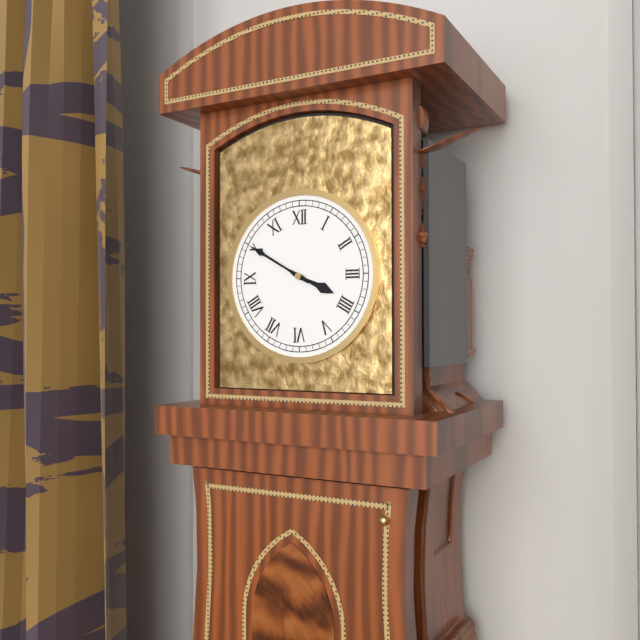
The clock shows 3.50
